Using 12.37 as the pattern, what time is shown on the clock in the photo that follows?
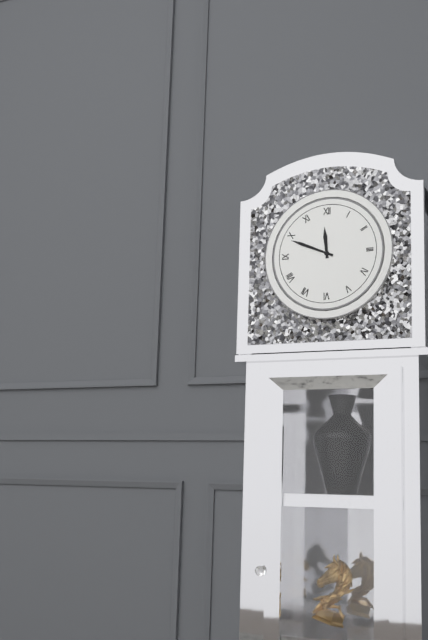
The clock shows 11.49
